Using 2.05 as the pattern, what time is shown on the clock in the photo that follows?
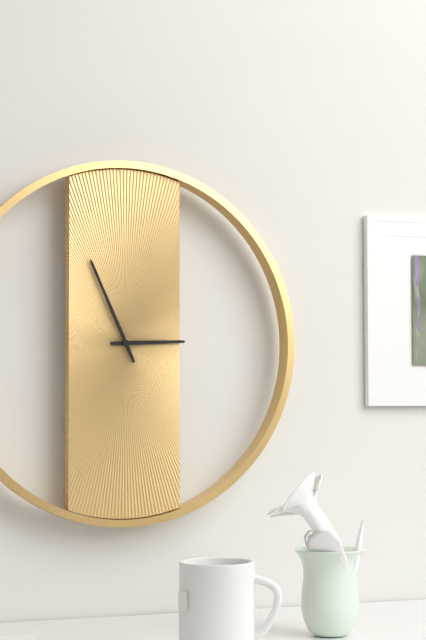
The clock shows 2.56
